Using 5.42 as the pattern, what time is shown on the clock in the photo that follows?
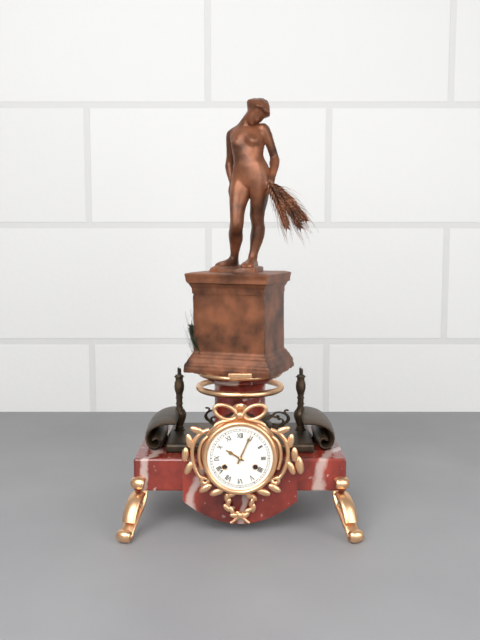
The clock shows 10.04
